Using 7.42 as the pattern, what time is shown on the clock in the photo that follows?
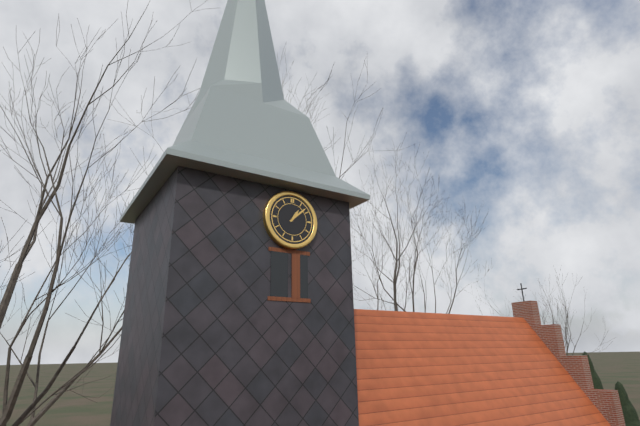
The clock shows 1.08
